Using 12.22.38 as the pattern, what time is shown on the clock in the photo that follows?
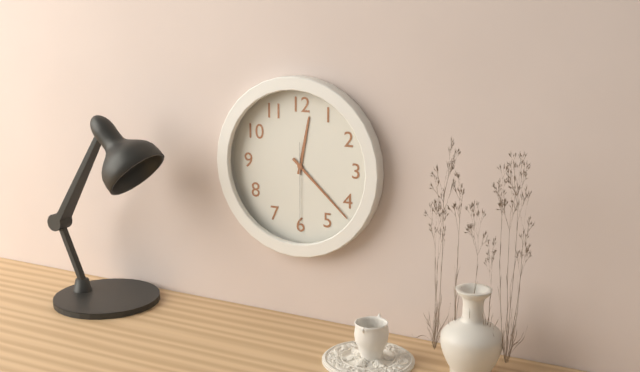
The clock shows 12.22.30
